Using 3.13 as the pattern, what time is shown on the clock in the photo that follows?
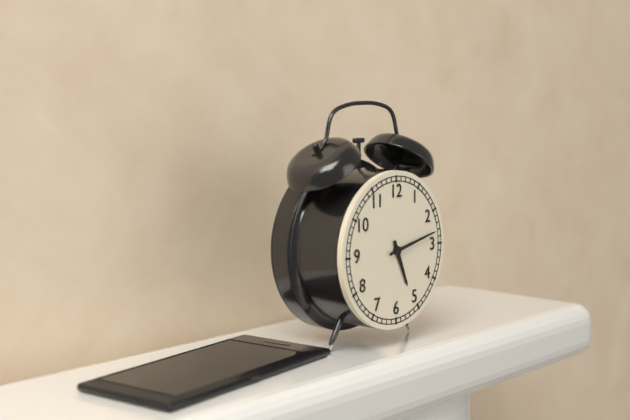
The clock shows 5.13
